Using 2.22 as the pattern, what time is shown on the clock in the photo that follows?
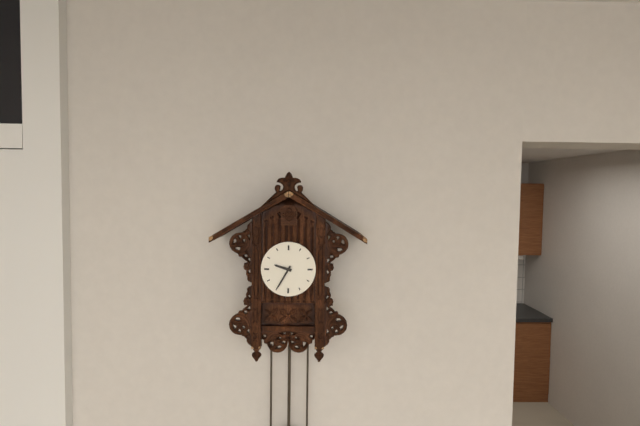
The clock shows 9.35
